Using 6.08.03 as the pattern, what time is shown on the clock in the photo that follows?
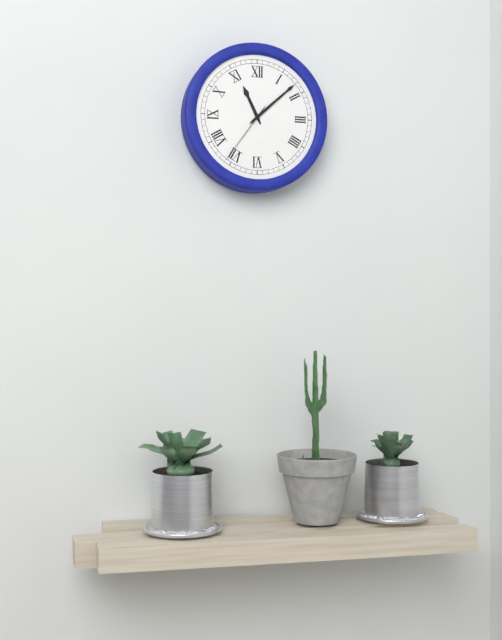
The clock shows 11.08.36
